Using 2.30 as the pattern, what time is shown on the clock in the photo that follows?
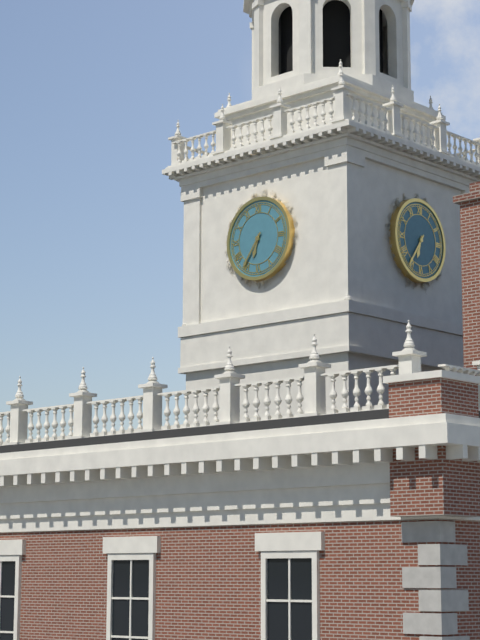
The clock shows 6.36
